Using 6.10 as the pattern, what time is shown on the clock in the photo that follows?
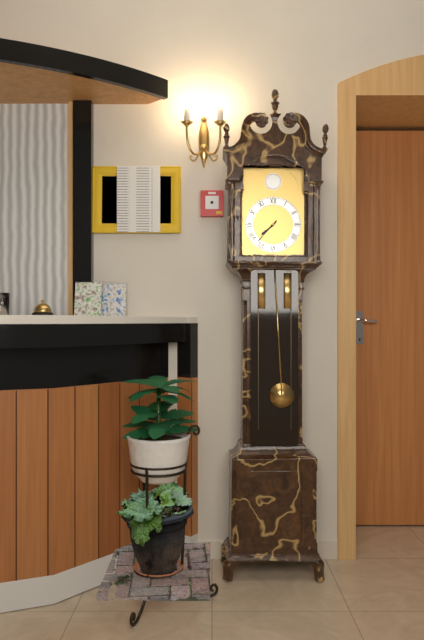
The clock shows 7.37
